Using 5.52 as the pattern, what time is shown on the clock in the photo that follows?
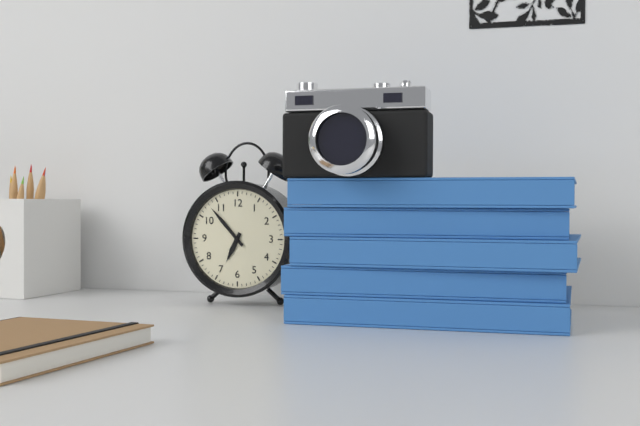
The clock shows 6.53
